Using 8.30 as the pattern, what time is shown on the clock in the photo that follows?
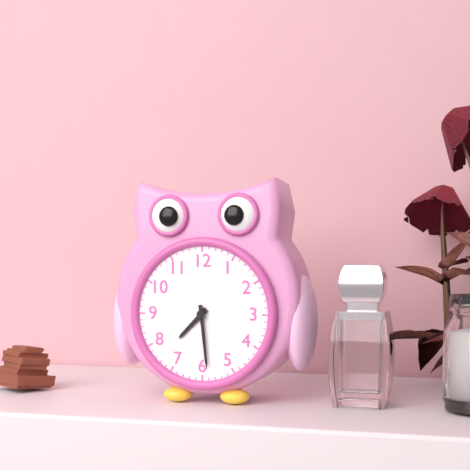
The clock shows 7.29
